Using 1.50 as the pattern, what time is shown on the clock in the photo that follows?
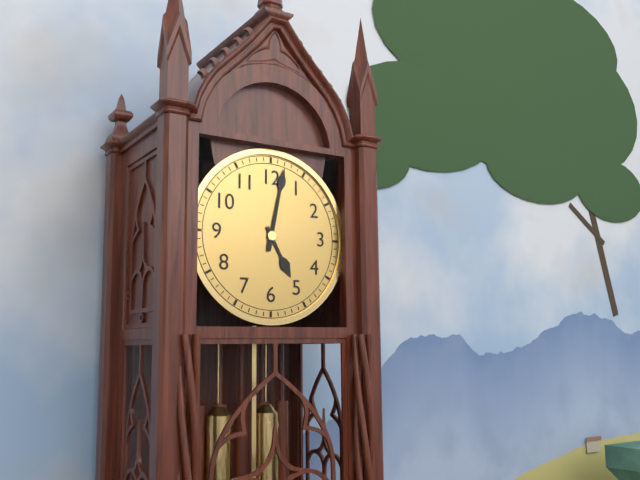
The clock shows 5.02
